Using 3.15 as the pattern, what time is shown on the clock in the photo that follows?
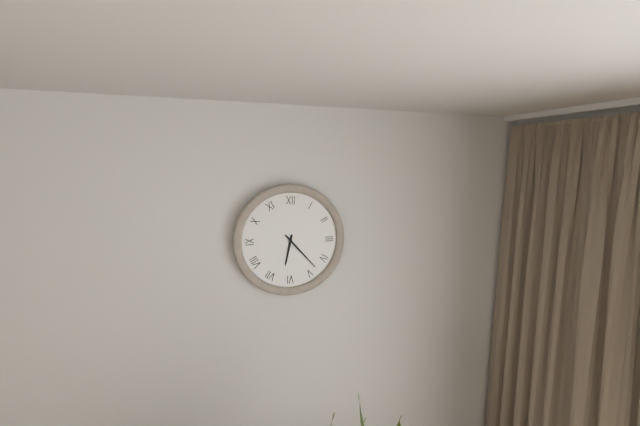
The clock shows 6.23
